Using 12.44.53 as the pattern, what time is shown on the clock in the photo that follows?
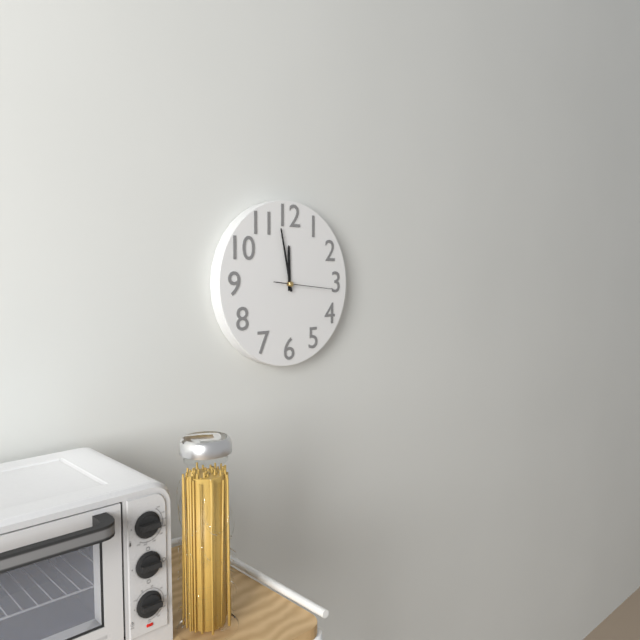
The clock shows 11.58.16
